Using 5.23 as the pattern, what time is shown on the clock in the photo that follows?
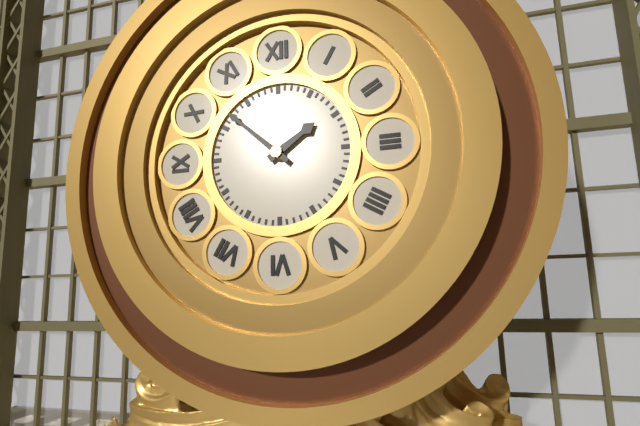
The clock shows 1.52
